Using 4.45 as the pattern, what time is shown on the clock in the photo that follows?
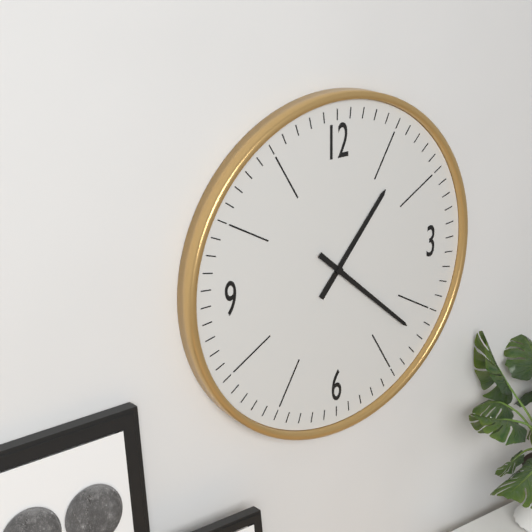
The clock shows 1.22
